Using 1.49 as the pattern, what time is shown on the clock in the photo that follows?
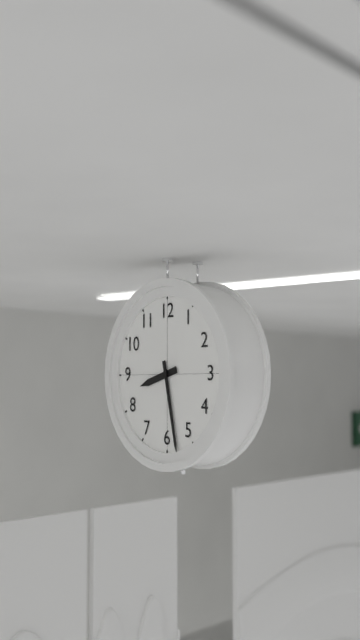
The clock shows 8.28
